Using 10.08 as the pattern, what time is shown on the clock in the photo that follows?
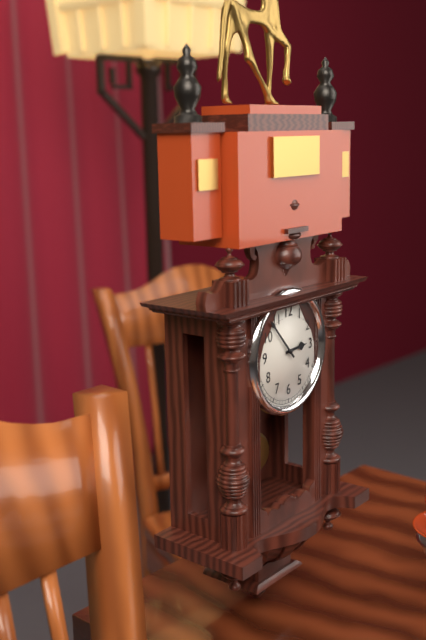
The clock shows 2.53
